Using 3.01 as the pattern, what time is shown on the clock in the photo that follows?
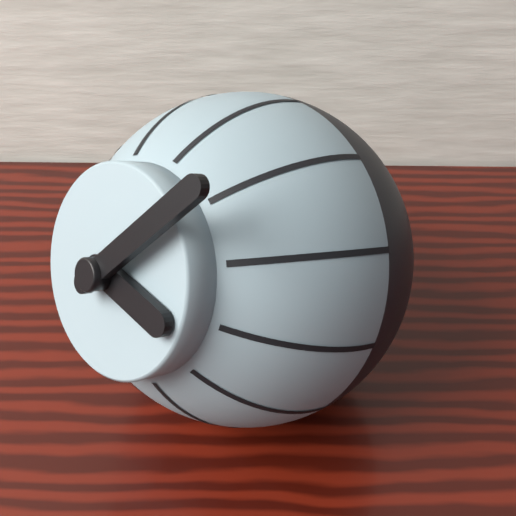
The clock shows 3.06
